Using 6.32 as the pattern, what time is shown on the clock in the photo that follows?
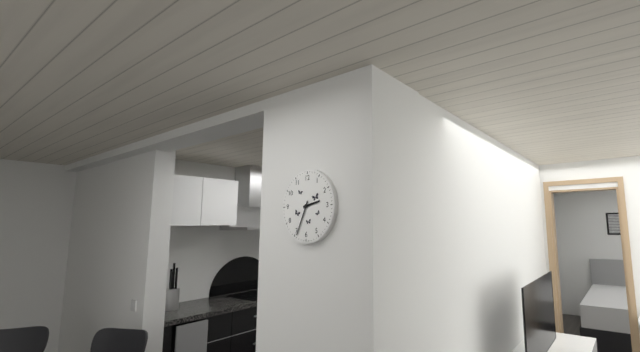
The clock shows 2.34
